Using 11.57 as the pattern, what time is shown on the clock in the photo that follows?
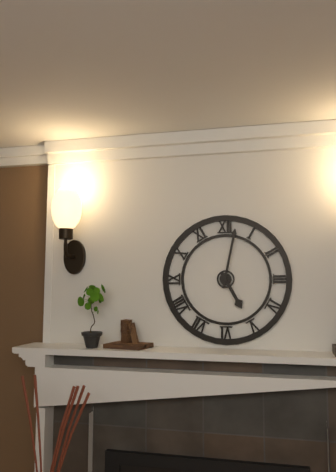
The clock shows 5.02
